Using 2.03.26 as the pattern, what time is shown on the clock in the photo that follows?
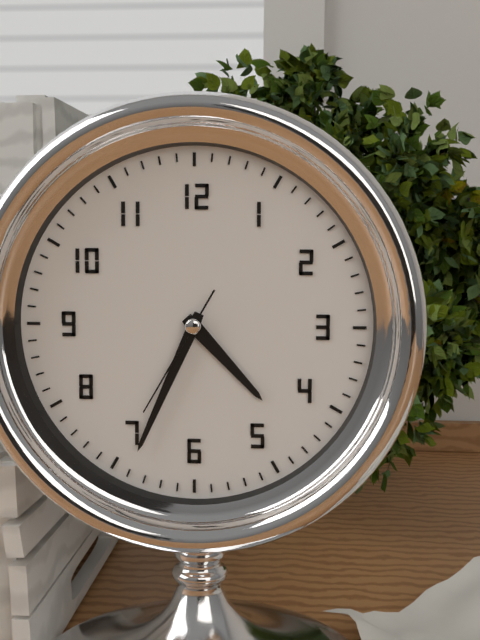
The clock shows 4.34.35
